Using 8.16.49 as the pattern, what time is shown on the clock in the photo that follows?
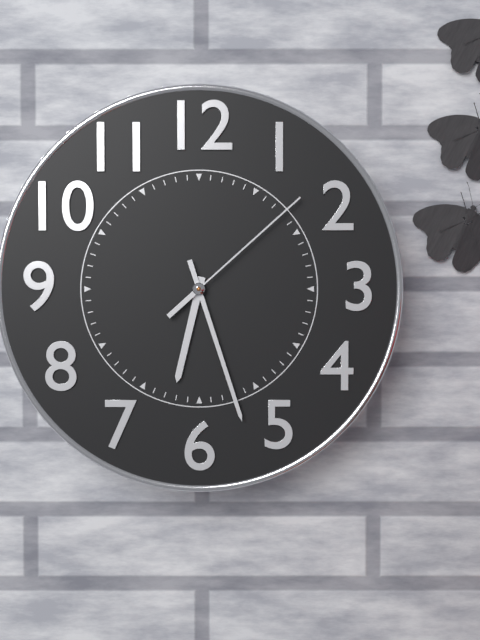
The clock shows 6.27.08
